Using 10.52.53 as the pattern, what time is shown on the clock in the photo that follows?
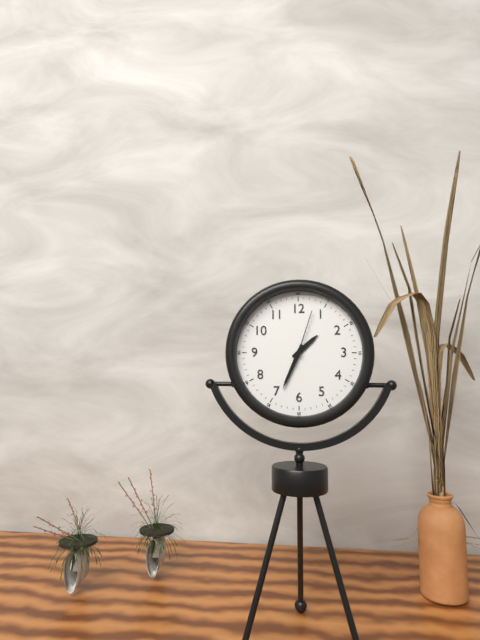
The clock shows 1.34.03
